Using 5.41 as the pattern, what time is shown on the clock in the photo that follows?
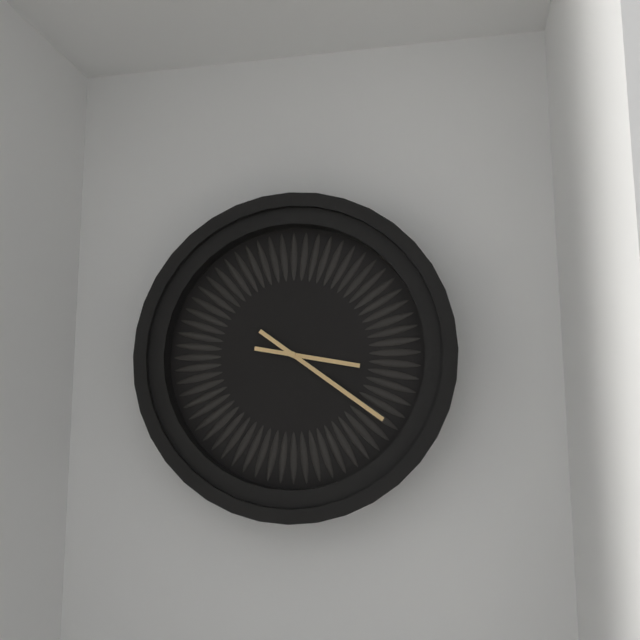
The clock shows 3.21
